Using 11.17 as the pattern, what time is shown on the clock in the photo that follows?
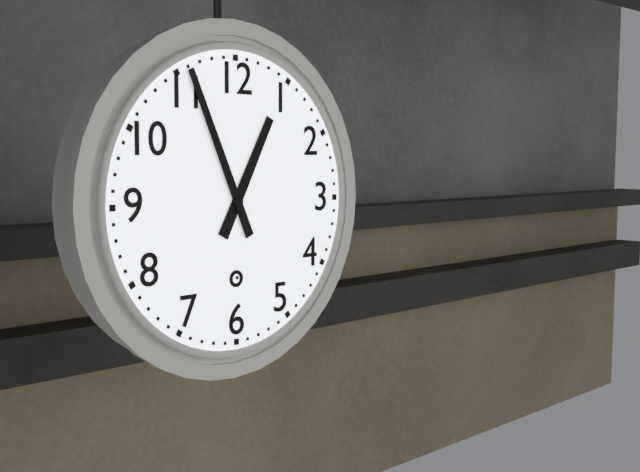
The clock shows 12.56
